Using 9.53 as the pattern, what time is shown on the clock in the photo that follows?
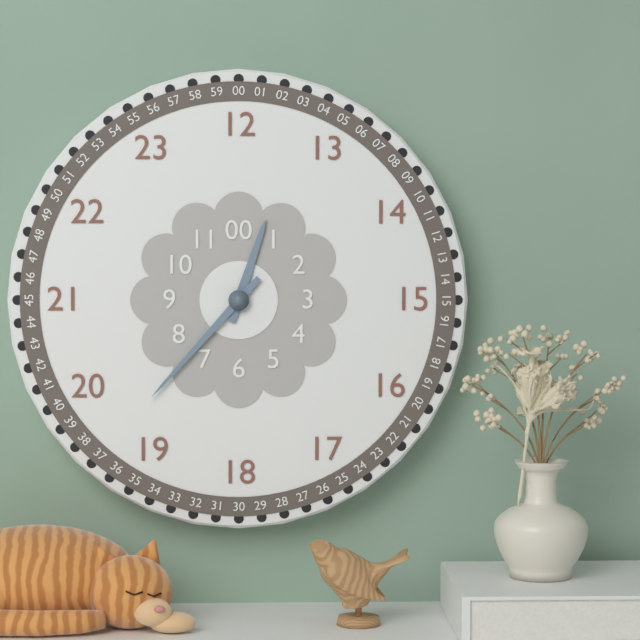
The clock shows 12.37
